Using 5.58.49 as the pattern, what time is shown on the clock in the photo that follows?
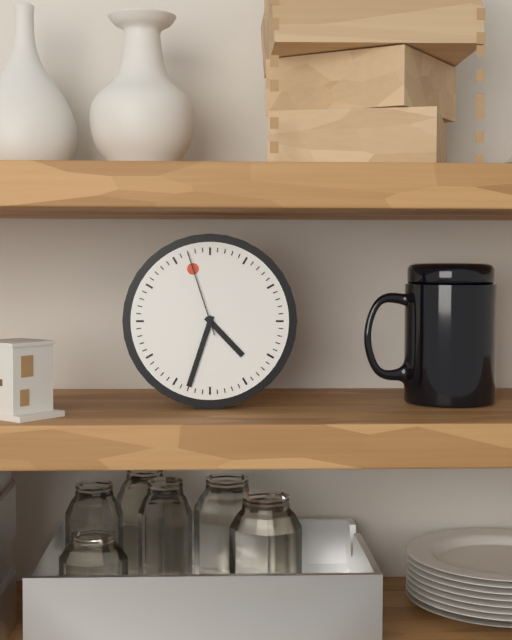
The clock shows 4.33.57
